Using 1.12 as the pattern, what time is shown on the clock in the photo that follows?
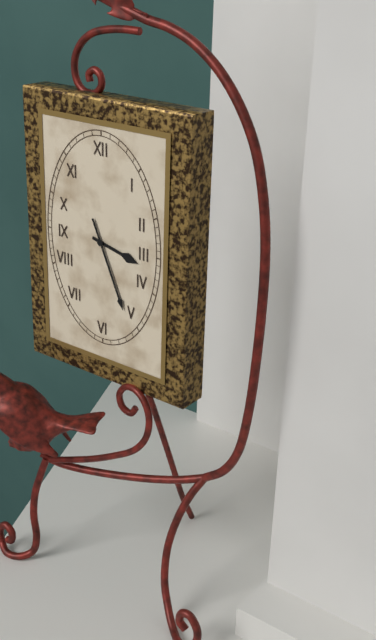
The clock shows 3.26
